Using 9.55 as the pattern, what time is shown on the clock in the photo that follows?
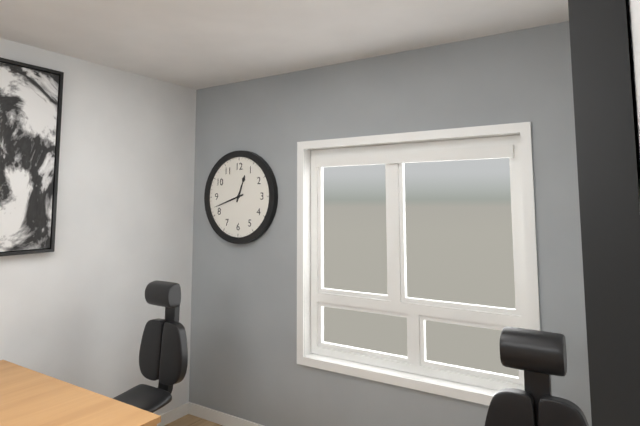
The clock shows 12.42
